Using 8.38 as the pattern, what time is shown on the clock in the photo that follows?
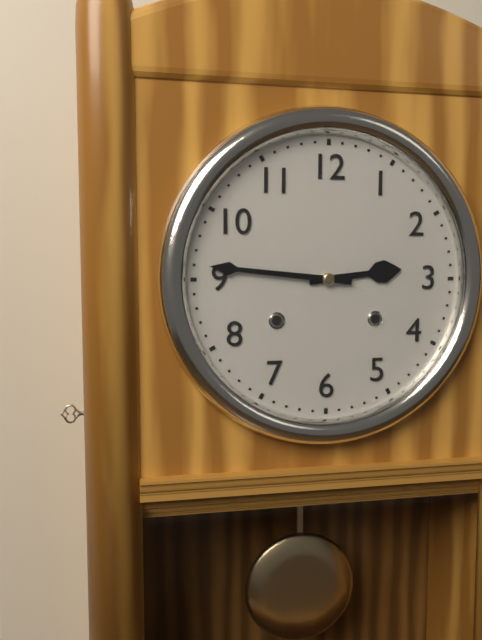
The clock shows 2.46
